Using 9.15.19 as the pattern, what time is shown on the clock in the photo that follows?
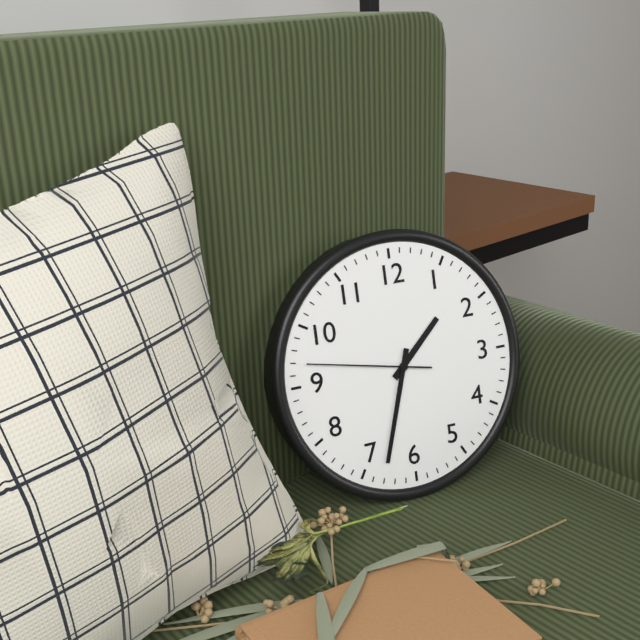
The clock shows 1.33.47
